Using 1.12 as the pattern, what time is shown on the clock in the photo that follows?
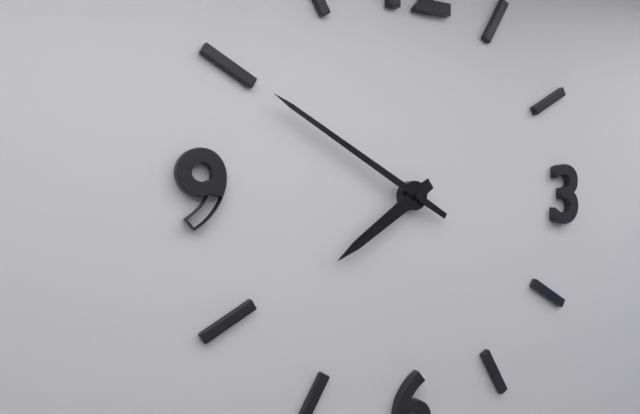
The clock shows 7.50
